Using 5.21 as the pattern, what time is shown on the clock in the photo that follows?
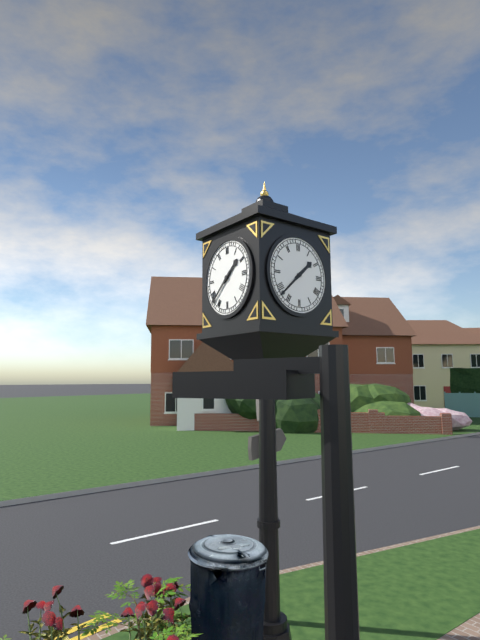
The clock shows 1.38
